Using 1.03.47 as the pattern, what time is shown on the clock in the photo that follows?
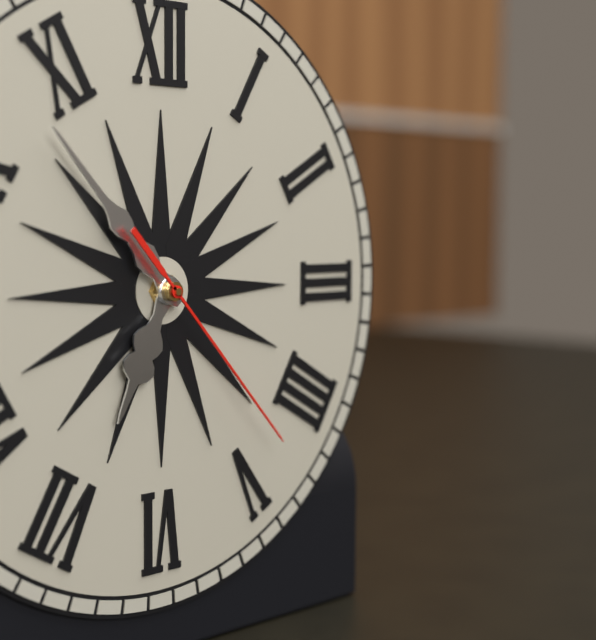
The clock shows 6.53.23
